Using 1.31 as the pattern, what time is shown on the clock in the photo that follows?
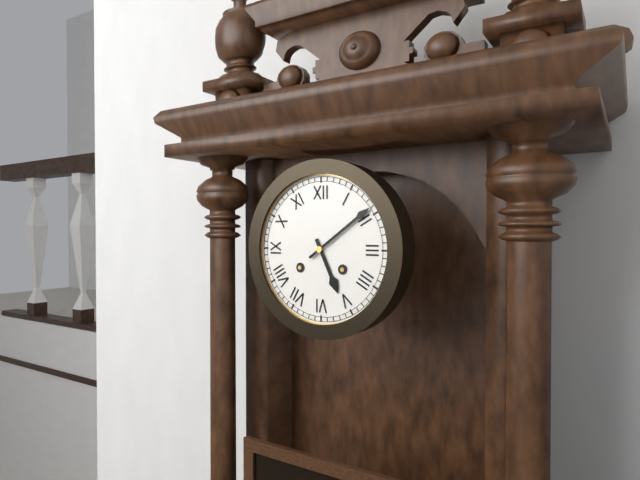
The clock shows 5.09
